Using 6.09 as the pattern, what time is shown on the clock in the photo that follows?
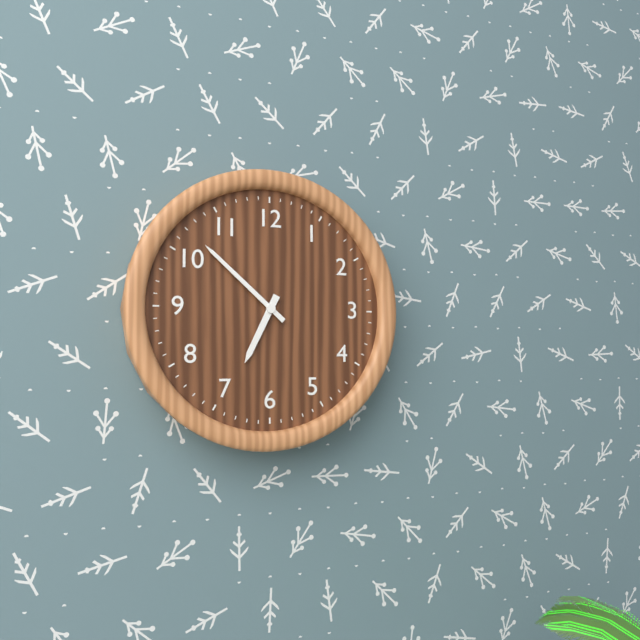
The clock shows 6.52
